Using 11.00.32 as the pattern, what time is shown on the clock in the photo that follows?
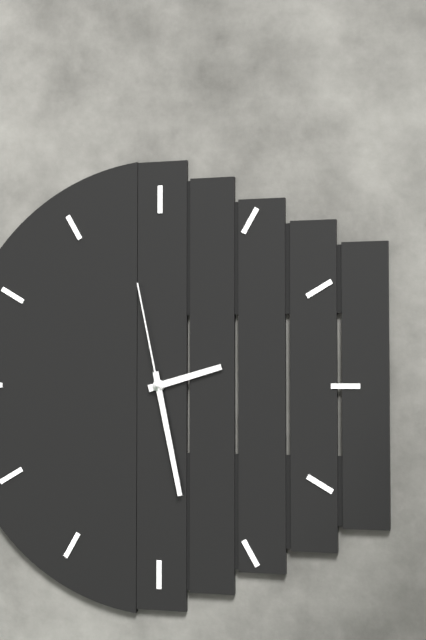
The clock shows 2.28.58
